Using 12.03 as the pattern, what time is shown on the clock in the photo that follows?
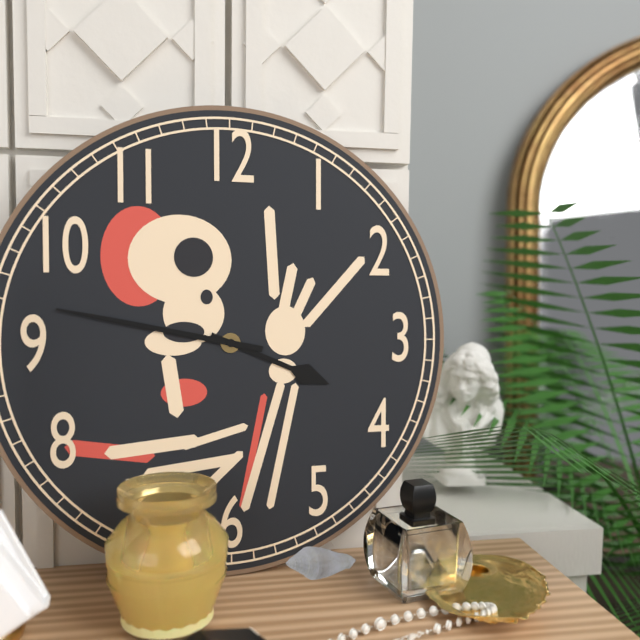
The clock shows 3.47
